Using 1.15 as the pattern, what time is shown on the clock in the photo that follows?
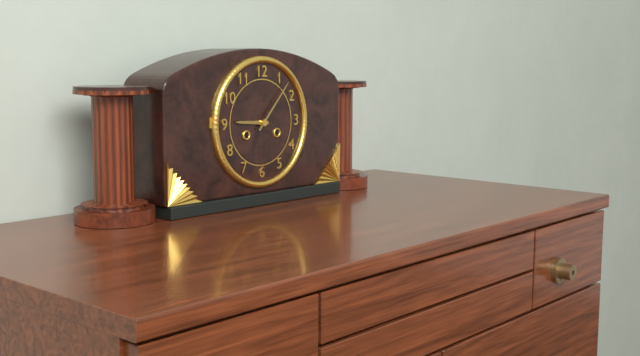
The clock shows 9.07
